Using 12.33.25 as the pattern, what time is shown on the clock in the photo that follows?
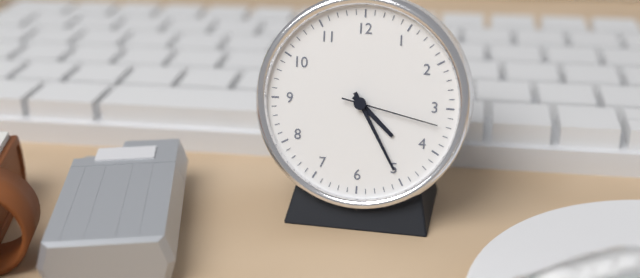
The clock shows 4.25.17
